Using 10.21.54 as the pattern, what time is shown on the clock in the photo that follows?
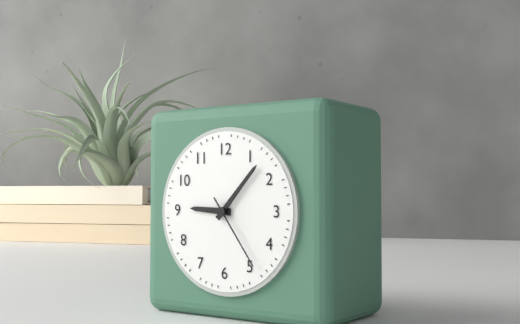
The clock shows 9.07.24
